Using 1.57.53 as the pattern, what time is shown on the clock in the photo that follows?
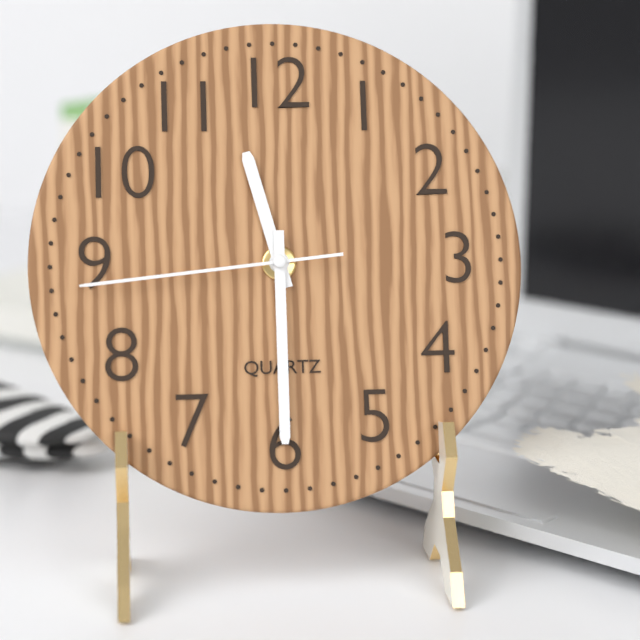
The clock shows 11.30.44
